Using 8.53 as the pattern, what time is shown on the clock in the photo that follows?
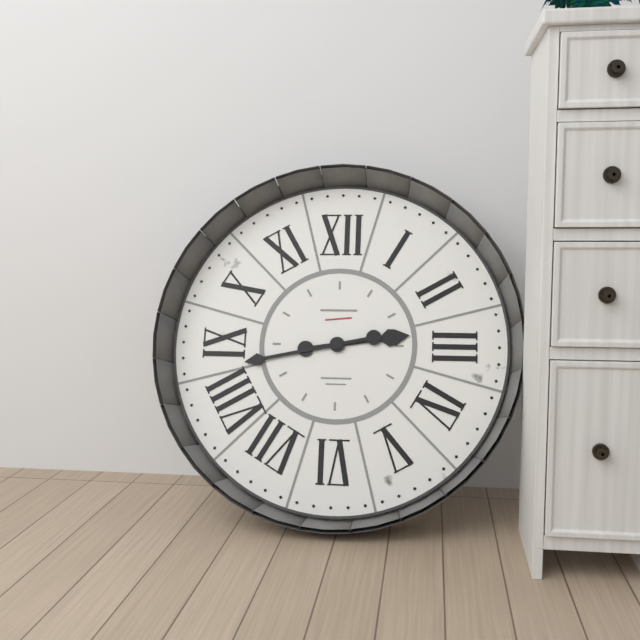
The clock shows 2.43
